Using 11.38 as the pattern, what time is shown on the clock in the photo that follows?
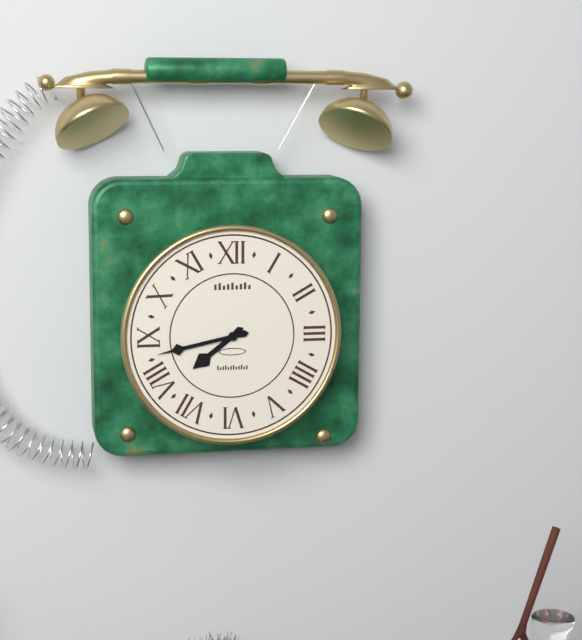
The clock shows 7.43
